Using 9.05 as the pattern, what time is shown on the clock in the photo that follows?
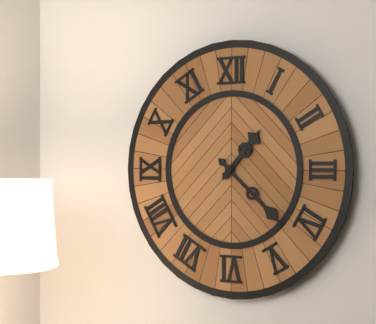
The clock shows 1.22
